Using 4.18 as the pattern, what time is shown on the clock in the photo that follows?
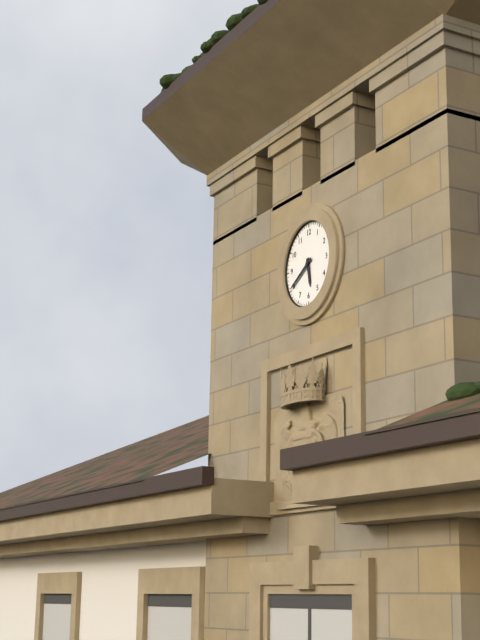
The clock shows 5.40
